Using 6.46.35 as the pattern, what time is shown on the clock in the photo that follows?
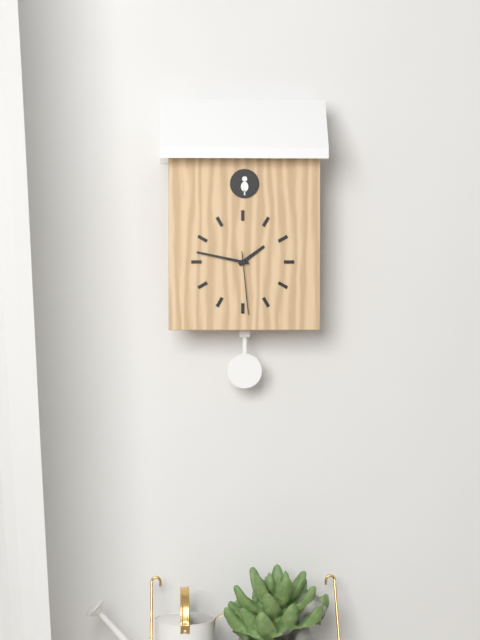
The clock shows 1.47.29
